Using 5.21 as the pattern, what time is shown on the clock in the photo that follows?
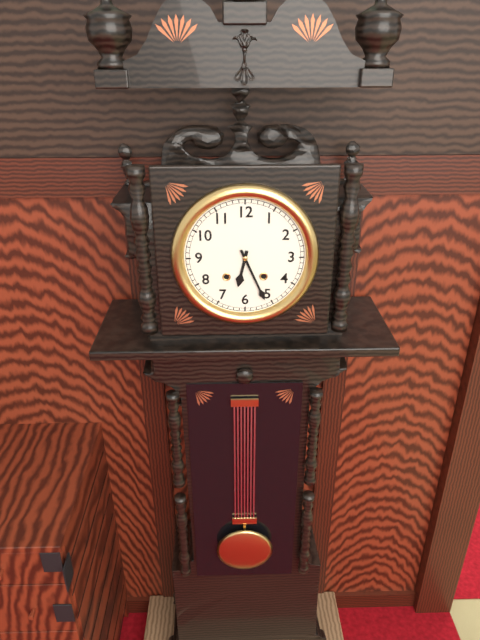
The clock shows 6.26
